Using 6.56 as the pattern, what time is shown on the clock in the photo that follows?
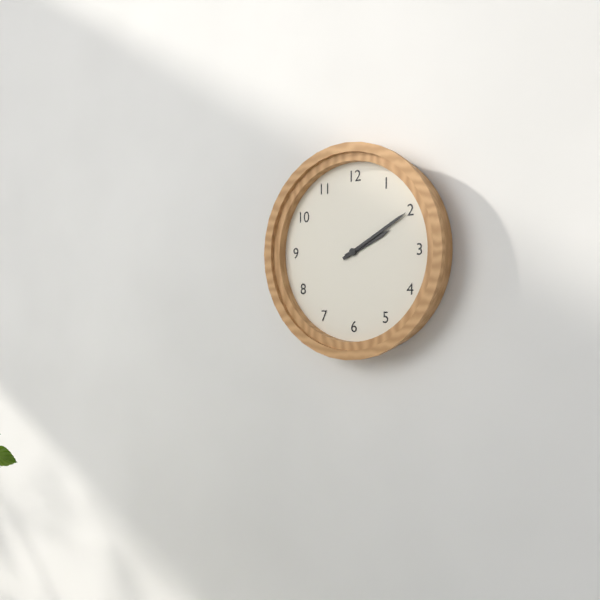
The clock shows 2.10
